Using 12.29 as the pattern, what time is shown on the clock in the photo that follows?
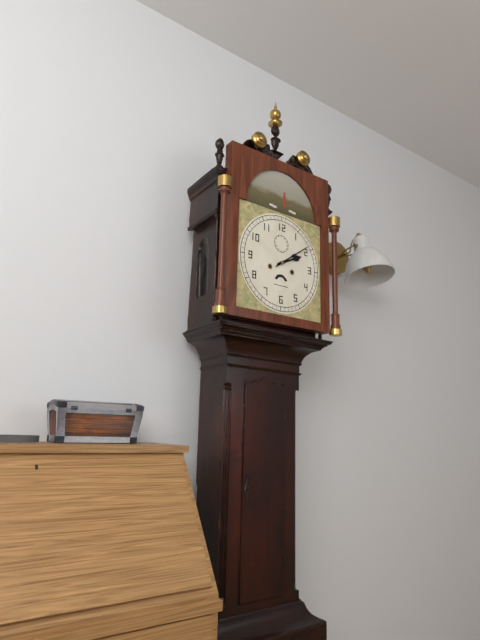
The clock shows 2.09
